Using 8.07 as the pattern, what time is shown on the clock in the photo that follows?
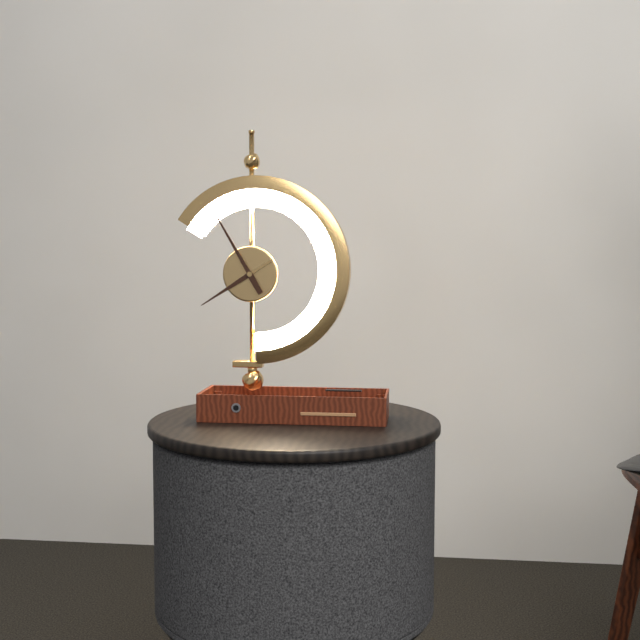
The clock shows 7.55
